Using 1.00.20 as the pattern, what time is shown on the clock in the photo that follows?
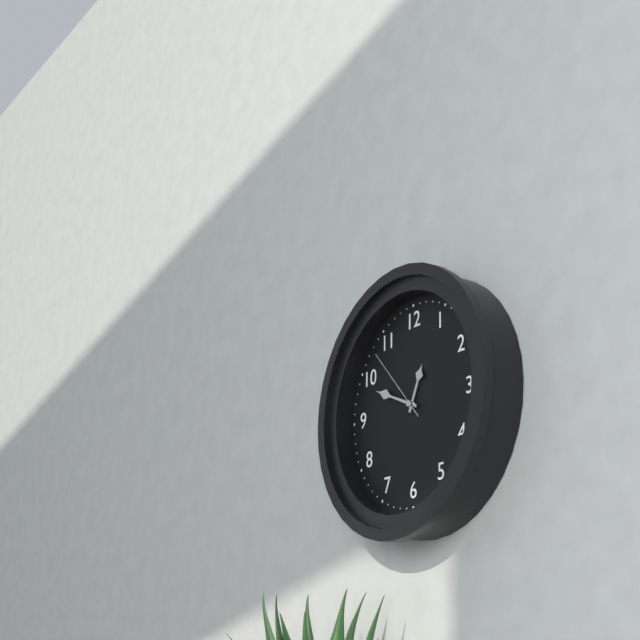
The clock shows 12.49.53
